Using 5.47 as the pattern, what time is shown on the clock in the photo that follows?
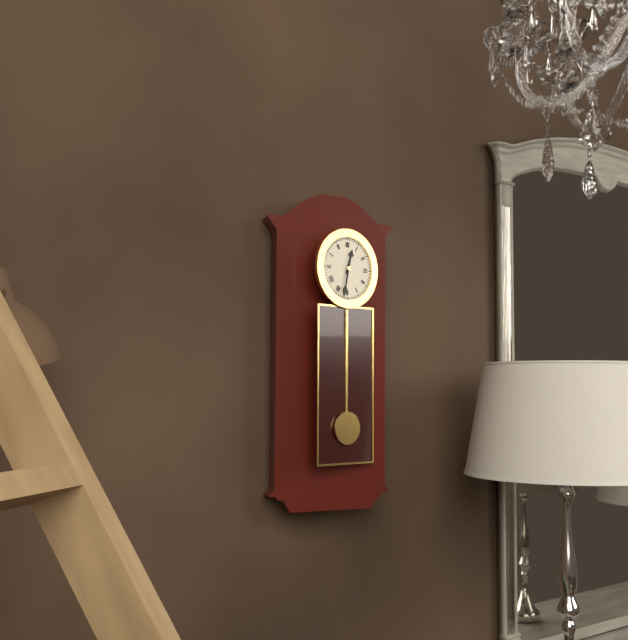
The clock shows 12.32
